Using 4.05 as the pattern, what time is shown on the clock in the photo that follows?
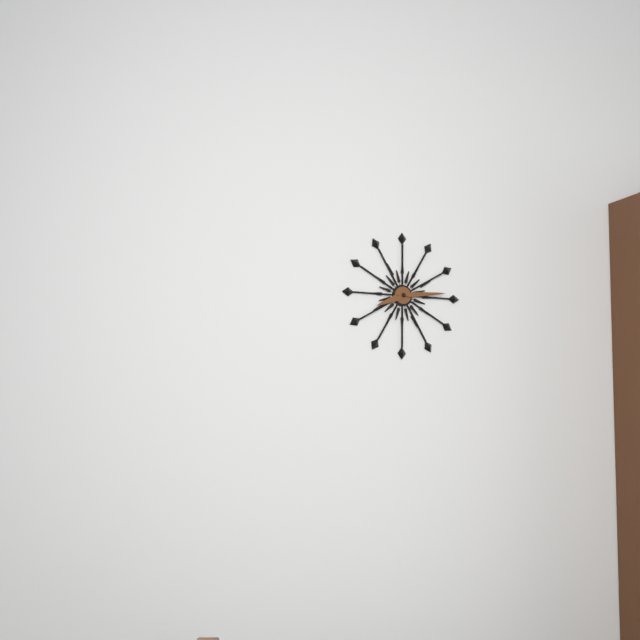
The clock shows 8.14
